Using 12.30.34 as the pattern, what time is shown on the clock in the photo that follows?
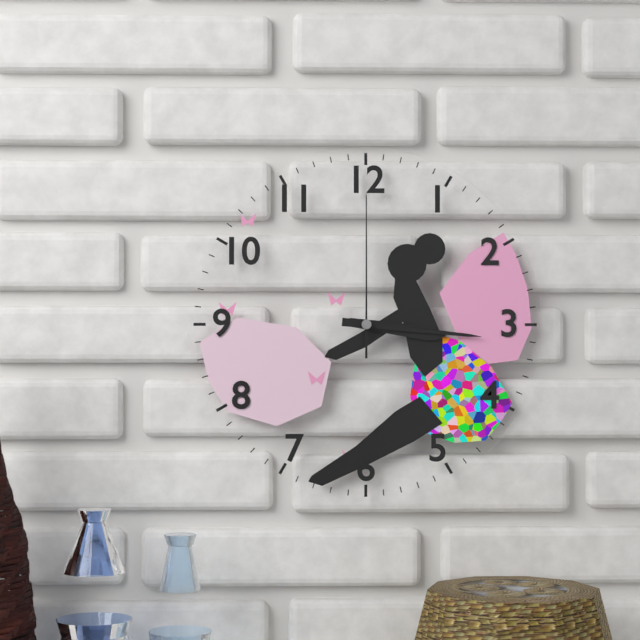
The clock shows 3.16.00
